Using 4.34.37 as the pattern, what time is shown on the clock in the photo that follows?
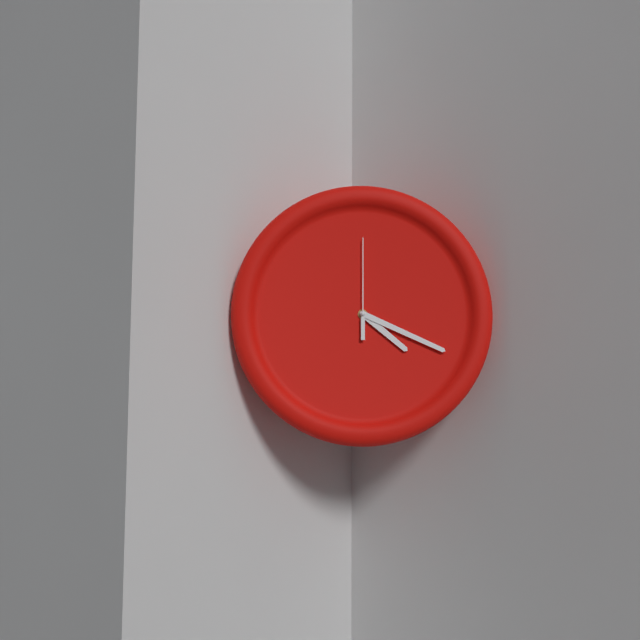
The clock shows 4.19.00
